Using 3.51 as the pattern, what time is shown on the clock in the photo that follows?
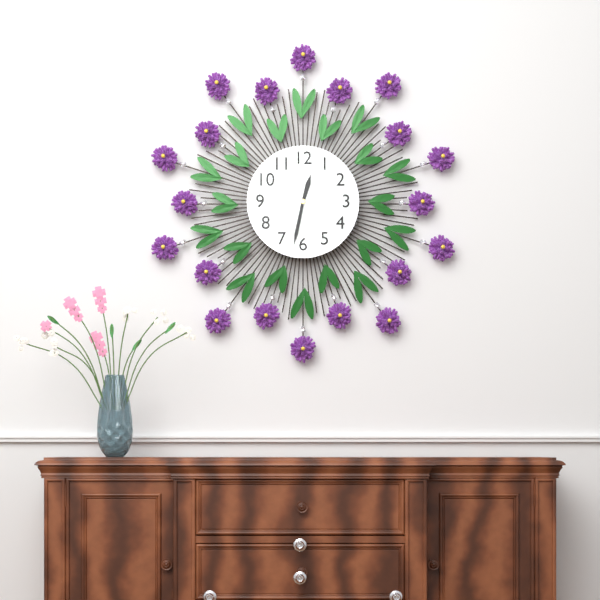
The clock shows 12.32
